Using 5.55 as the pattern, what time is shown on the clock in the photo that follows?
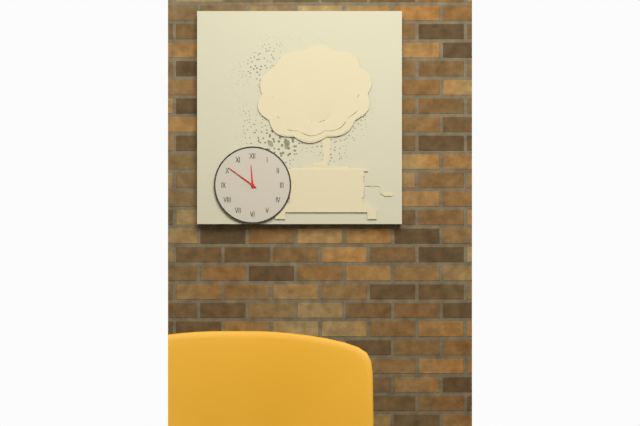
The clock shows 11.51
